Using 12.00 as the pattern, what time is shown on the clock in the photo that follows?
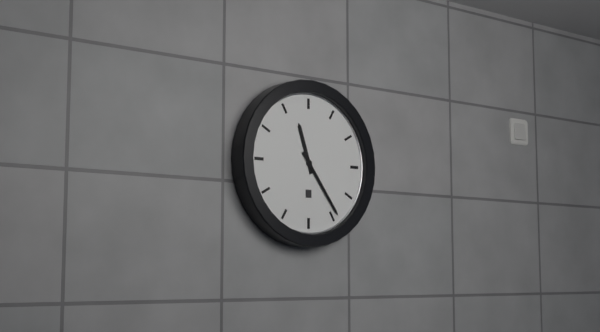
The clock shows 11.24
